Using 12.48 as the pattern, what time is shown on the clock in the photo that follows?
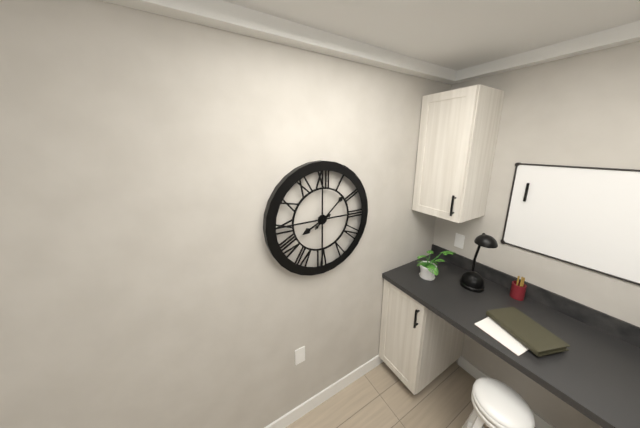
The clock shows 8.08
